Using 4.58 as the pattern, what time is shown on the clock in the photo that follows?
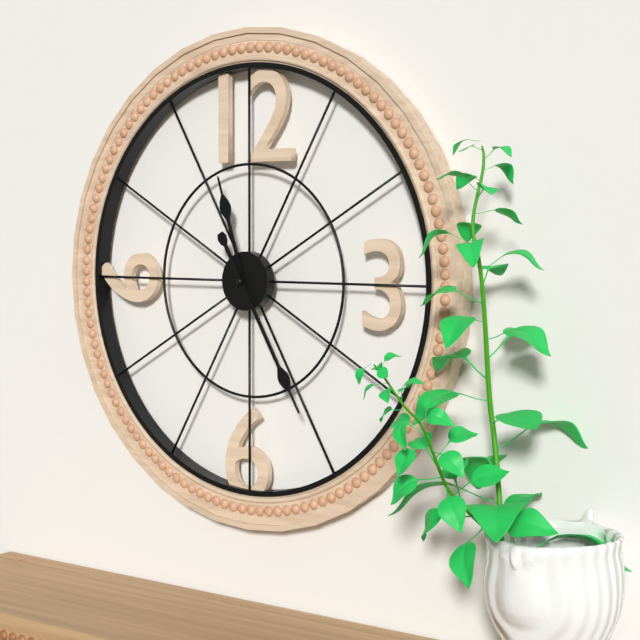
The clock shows 11.25
